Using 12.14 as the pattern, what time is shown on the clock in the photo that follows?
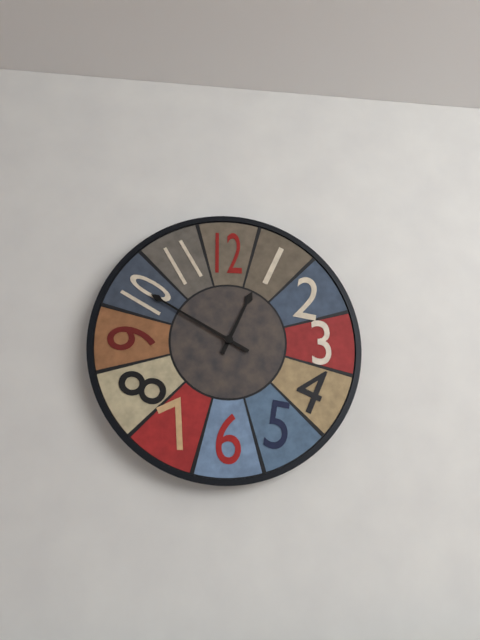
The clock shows 12.50
